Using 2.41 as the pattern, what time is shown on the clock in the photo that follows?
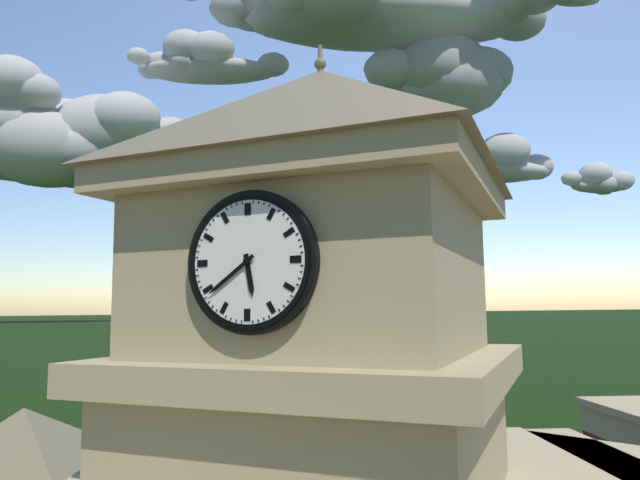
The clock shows 5.39
